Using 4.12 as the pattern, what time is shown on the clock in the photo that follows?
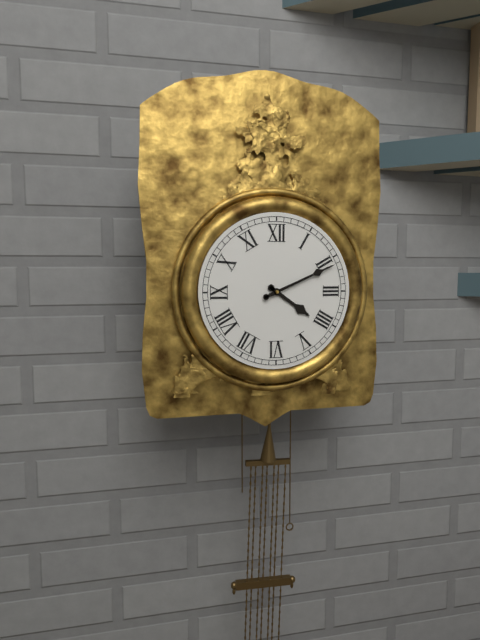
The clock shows 4.11
